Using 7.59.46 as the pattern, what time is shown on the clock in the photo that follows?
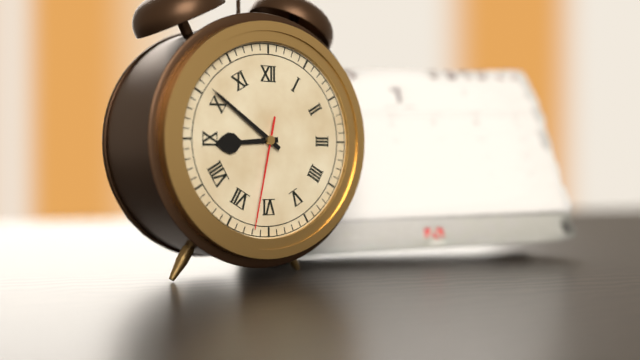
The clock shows 8.51.32
